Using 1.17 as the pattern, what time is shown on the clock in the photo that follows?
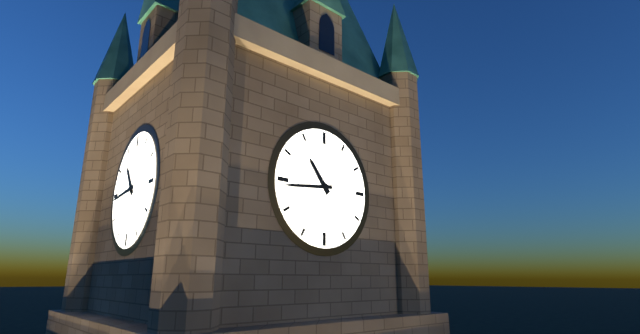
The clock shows 10.44
